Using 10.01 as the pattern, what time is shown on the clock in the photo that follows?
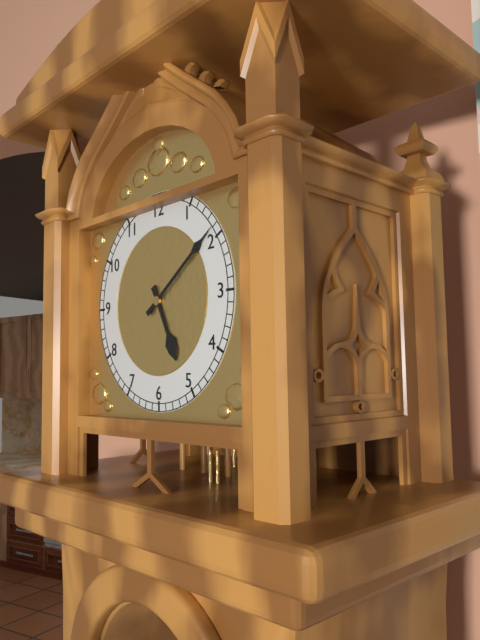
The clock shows 5.09
